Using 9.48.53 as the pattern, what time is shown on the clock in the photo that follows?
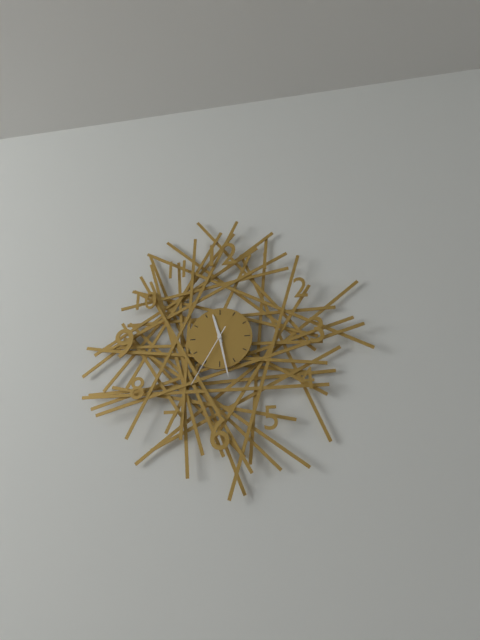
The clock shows 11.28.35
